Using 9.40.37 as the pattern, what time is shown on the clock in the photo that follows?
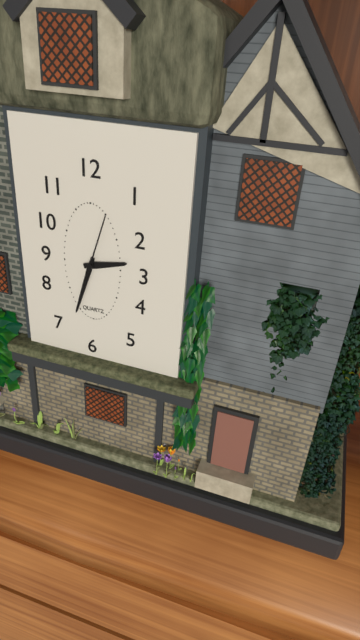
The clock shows 2.33.03
